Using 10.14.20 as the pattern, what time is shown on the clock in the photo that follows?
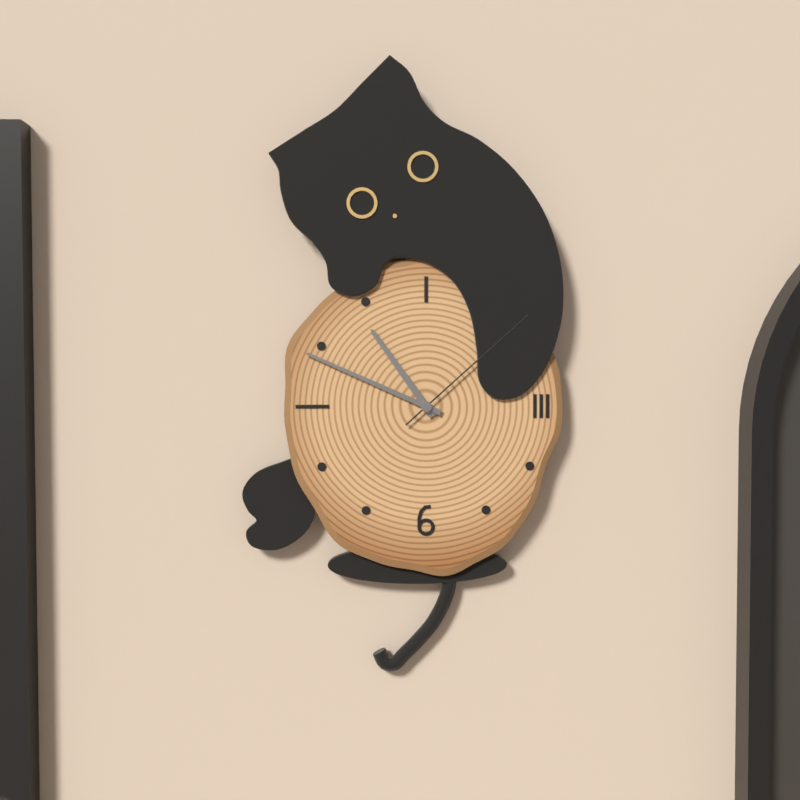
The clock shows 10.49.08
